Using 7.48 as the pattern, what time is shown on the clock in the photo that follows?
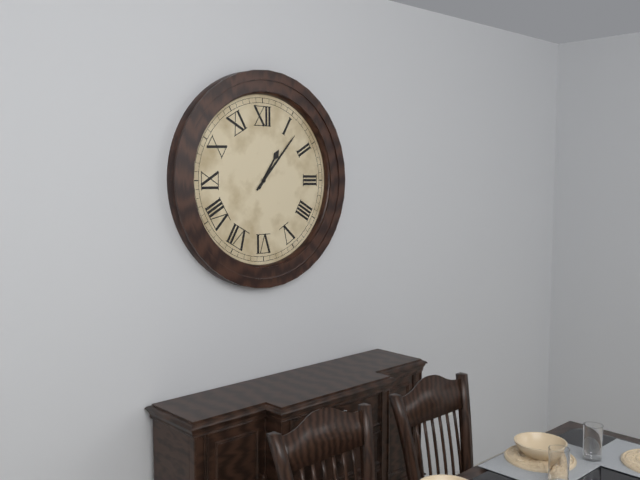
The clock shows 1.07
